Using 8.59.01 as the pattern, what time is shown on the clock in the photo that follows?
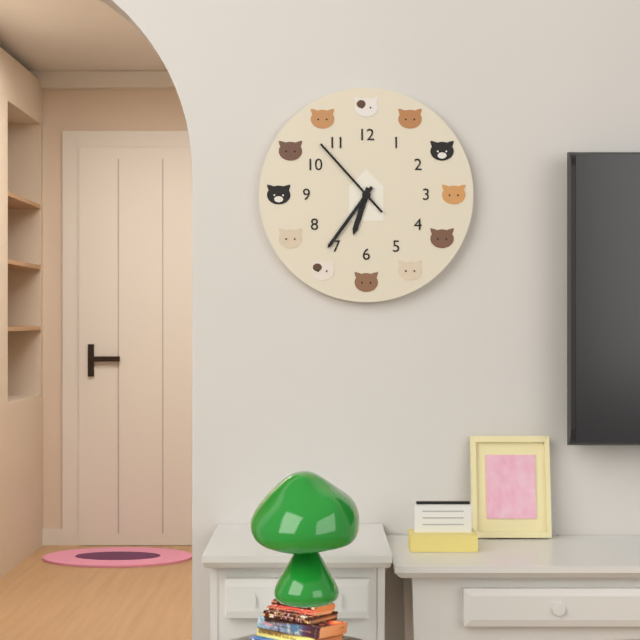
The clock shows 6.36.53
